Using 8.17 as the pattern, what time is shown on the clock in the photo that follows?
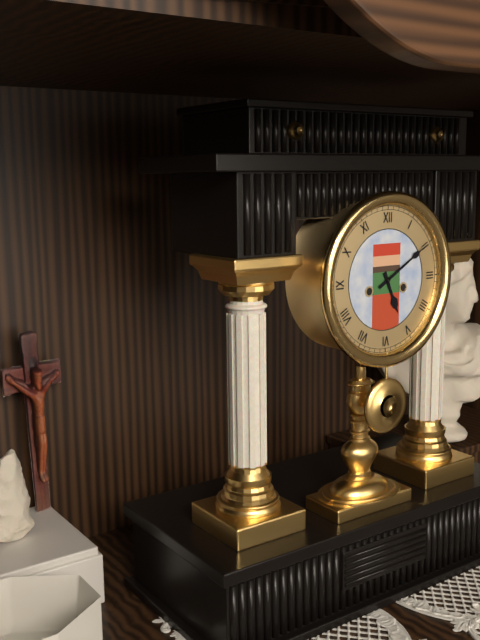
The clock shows 5.10
